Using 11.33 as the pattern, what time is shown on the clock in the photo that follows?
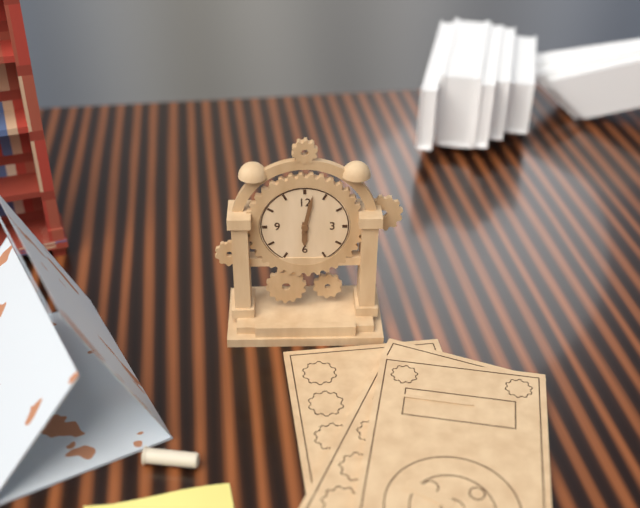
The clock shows 6.02
